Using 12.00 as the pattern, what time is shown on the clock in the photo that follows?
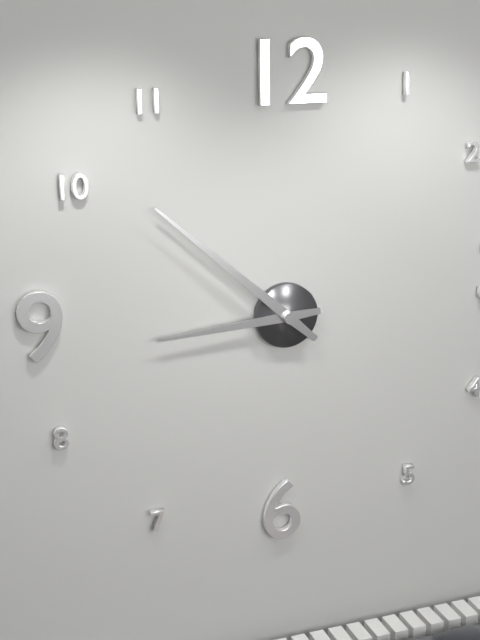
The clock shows 8.52
